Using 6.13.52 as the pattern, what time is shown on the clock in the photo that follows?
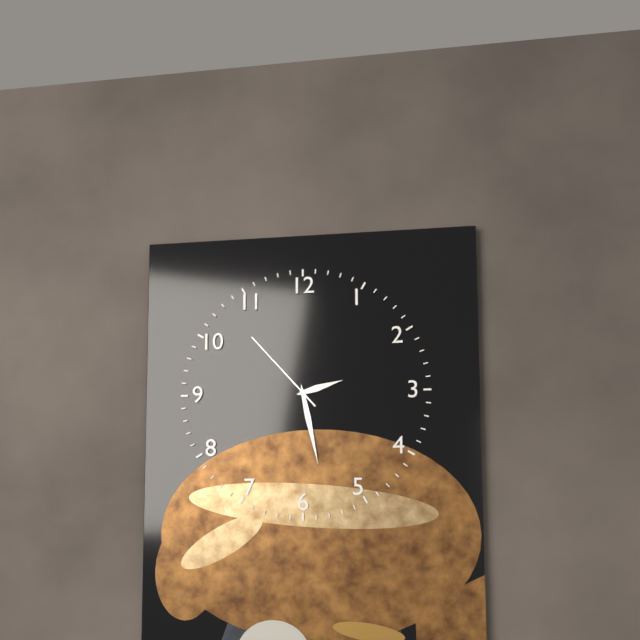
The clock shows 2.28.53
